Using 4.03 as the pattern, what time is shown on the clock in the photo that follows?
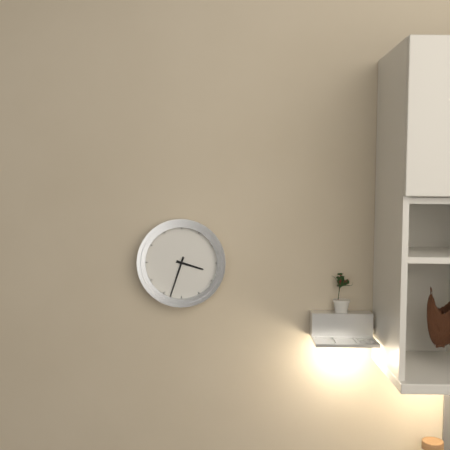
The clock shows 3.33
